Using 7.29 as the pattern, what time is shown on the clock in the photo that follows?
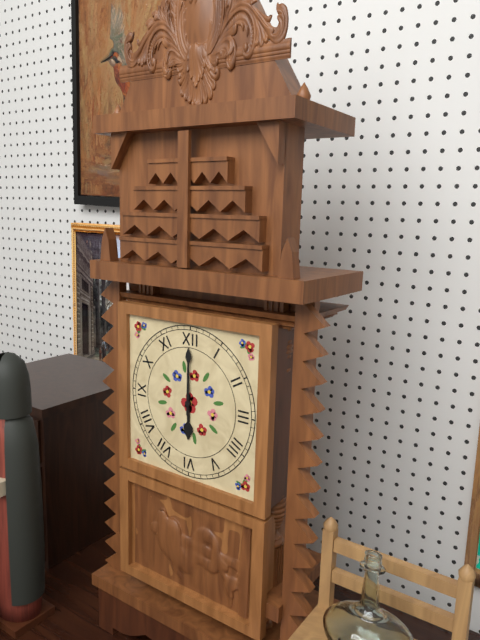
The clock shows 6.00
